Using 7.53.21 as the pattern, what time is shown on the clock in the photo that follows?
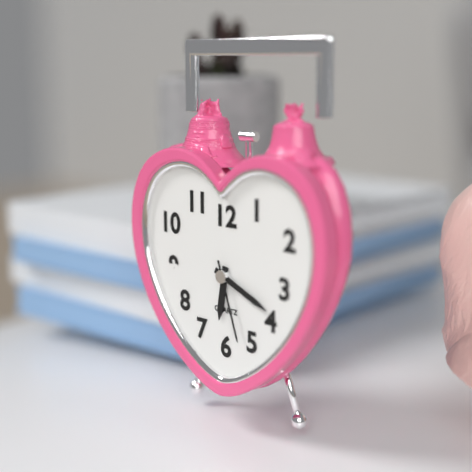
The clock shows 6.19.27
